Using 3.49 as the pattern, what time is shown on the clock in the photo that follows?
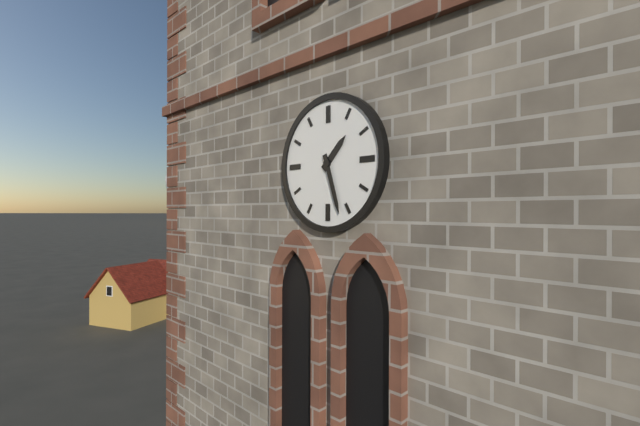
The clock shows 1.27
